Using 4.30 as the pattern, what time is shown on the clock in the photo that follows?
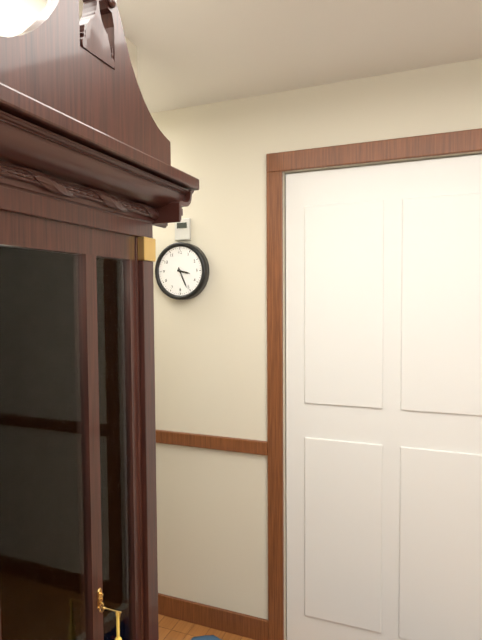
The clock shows 3.26
